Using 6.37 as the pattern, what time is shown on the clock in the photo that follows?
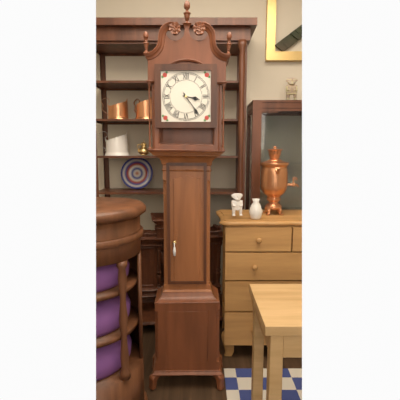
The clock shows 3.24
